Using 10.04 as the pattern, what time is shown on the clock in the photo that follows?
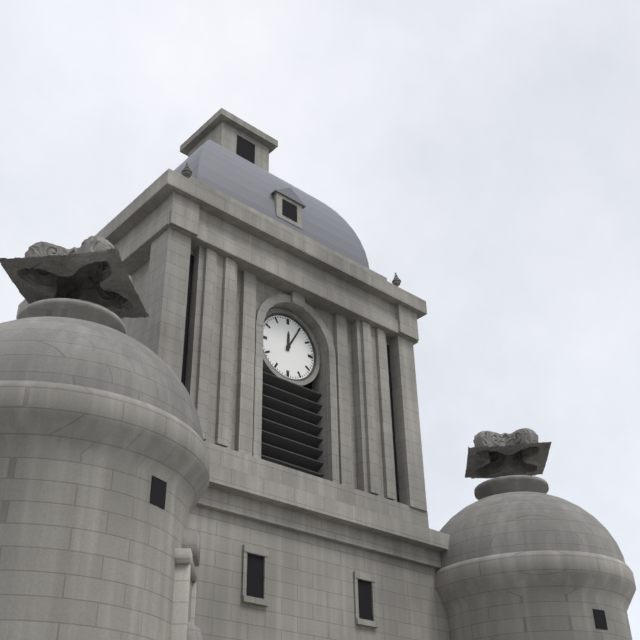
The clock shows 12.05
